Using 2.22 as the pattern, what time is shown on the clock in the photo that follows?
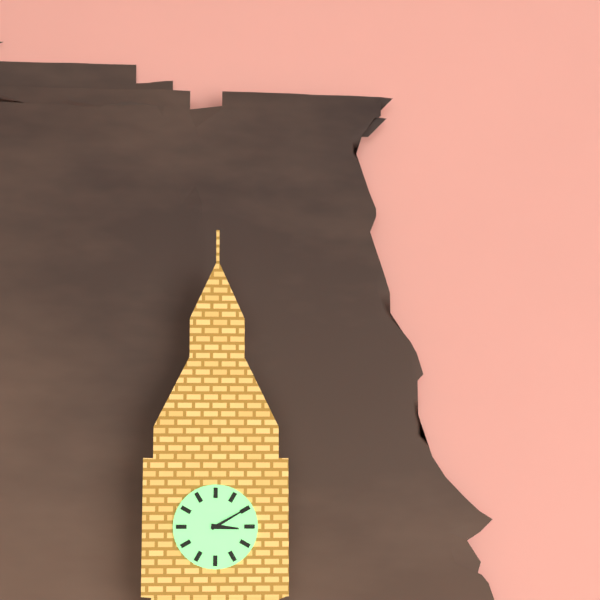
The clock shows 3.10
